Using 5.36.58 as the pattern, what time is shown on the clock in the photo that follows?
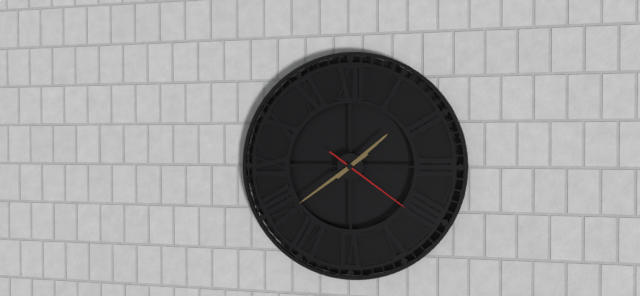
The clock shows 1.39.21
